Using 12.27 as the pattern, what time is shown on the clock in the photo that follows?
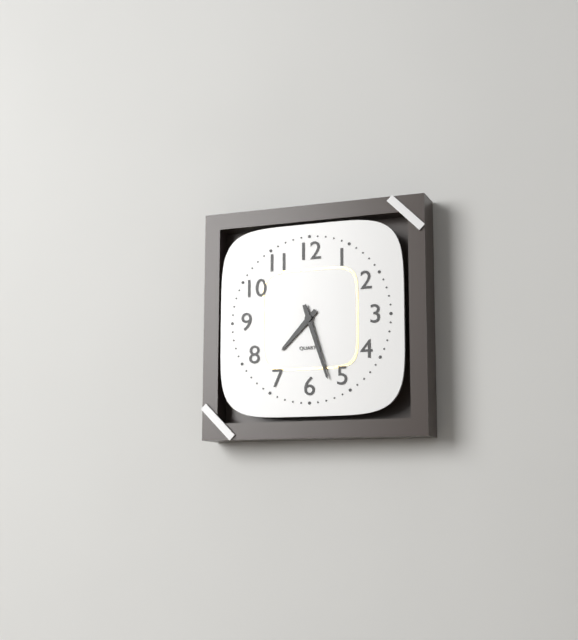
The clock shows 7.27
